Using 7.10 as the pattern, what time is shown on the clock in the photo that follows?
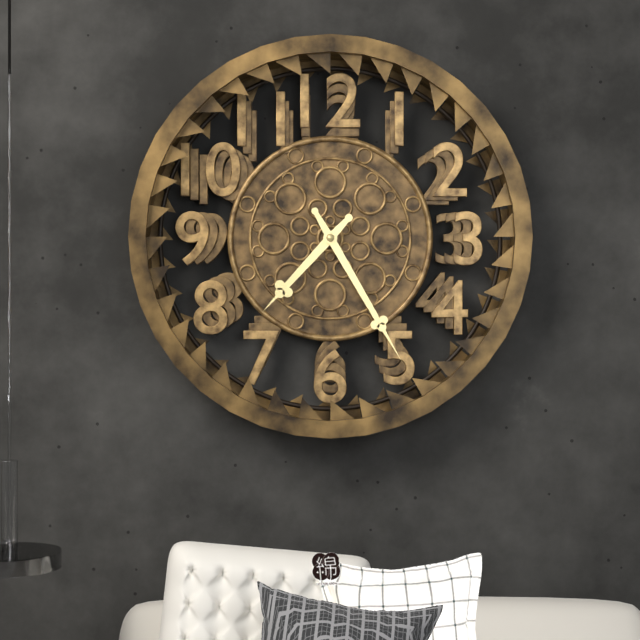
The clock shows 7.25
